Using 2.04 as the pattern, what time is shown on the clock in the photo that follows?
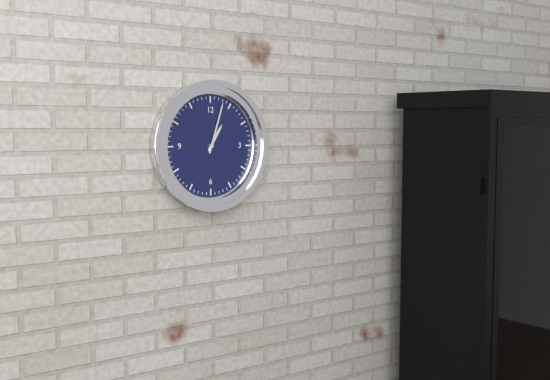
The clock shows 1.03
